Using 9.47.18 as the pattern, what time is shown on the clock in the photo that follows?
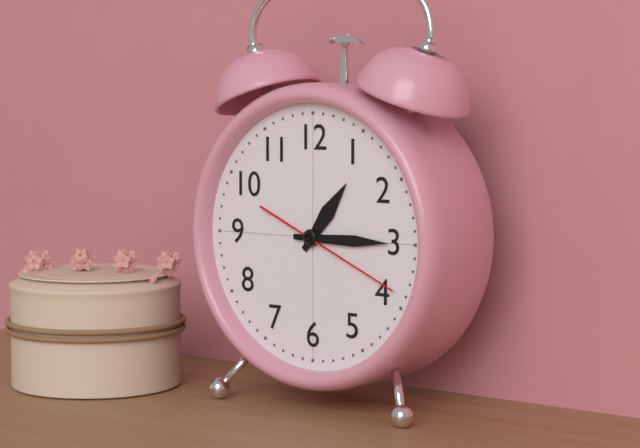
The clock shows 1.15.19
